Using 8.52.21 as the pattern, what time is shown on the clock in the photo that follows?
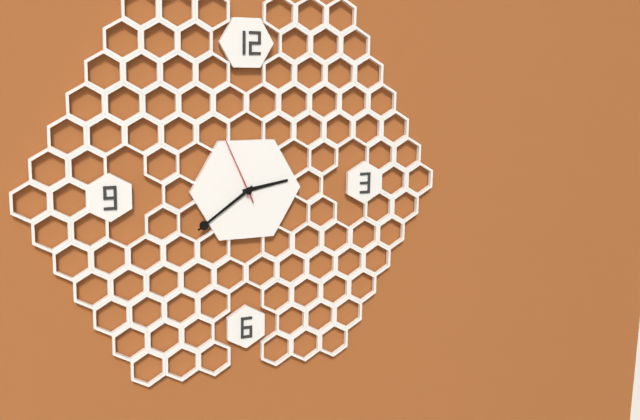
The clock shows 2.39.56
